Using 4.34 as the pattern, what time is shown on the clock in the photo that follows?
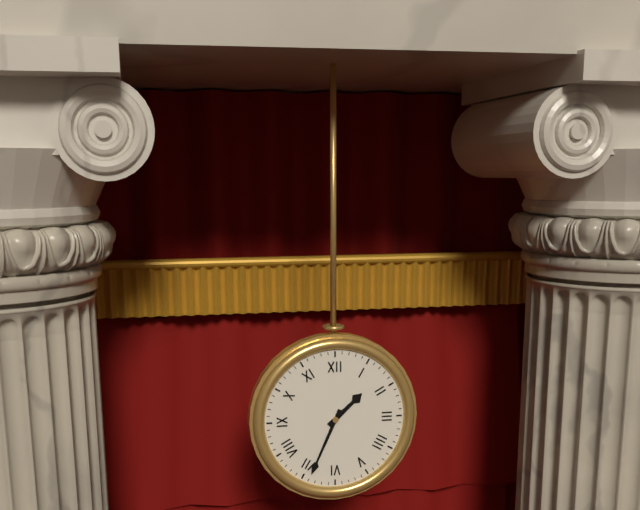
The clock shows 1.34
